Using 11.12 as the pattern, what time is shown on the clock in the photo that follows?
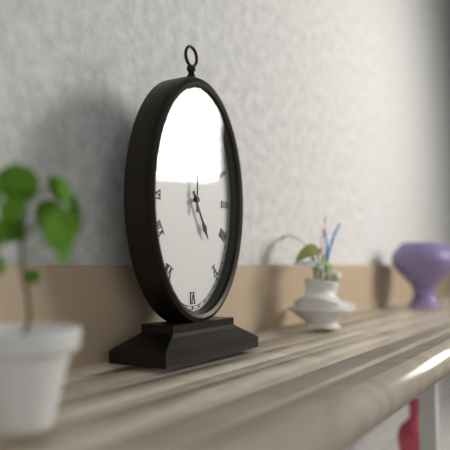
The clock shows 5.00
